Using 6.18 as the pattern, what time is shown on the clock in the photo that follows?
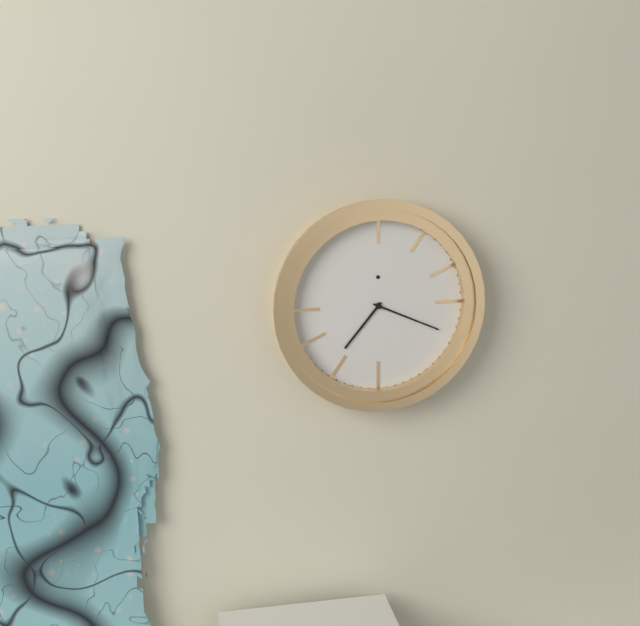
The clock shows 7.19
